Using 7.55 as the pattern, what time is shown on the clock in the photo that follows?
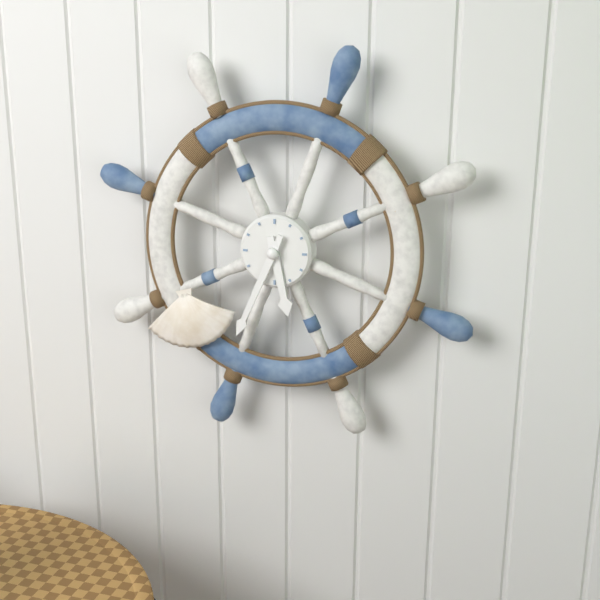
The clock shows 5.34
